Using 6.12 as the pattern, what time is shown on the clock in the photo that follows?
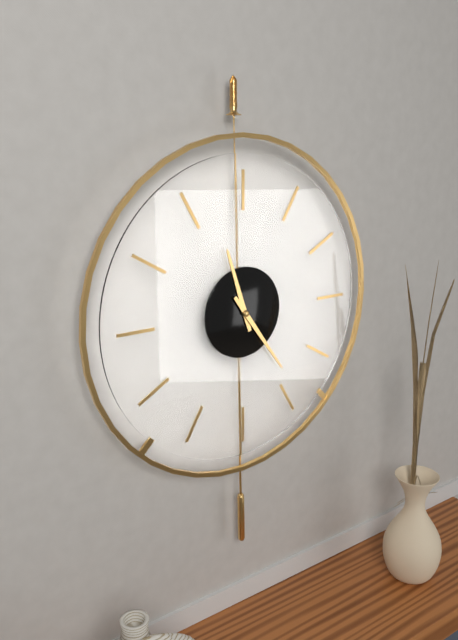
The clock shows 11.24
